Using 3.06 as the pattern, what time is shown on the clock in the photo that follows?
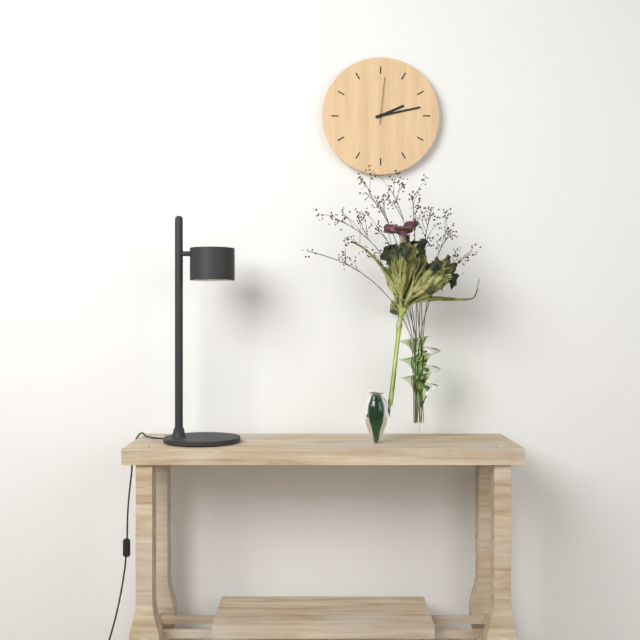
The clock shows 2.13
